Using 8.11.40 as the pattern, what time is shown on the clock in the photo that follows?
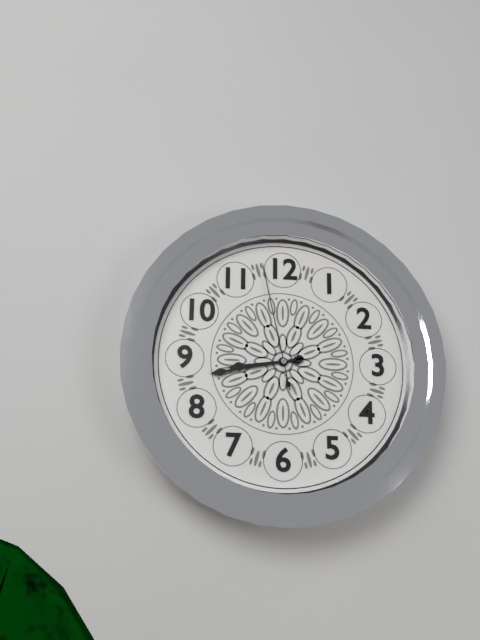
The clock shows 8.43.58
